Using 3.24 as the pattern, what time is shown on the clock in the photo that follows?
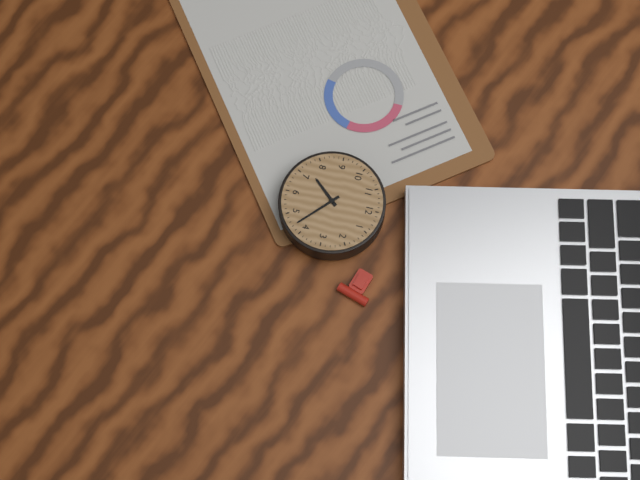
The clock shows 7.22
